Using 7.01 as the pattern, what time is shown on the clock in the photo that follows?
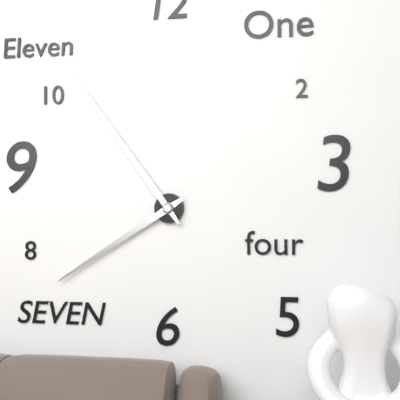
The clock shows 7.54
